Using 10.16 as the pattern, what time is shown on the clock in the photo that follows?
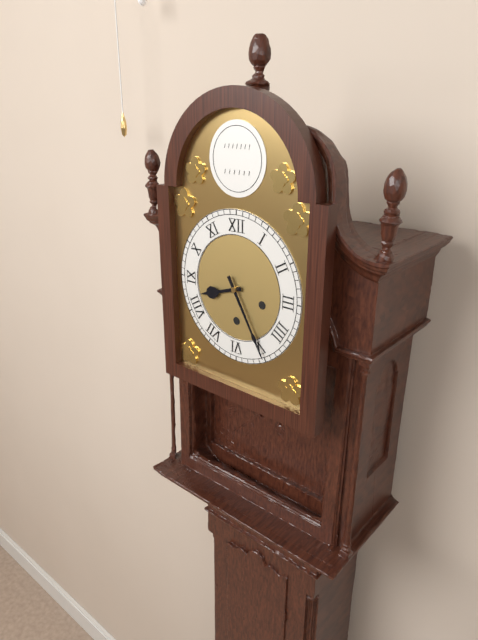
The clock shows 8.25
